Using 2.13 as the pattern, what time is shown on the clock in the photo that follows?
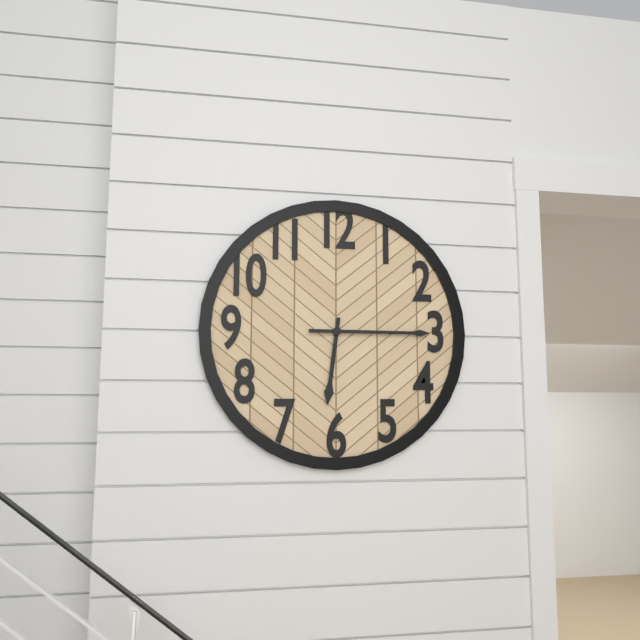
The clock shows 6.15
